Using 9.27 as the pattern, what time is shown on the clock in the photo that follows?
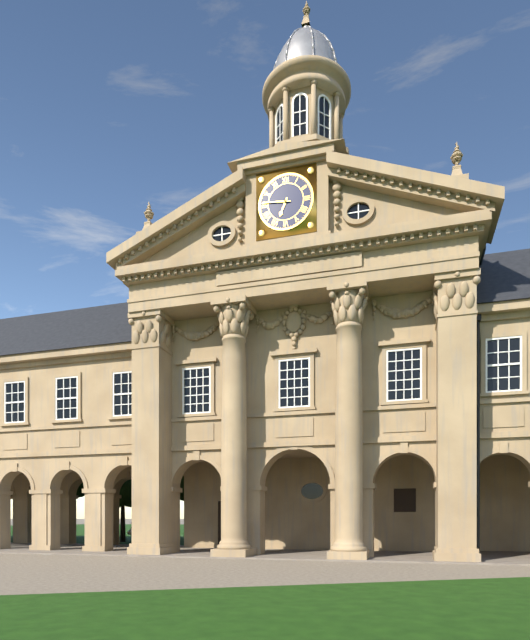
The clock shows 6.46
